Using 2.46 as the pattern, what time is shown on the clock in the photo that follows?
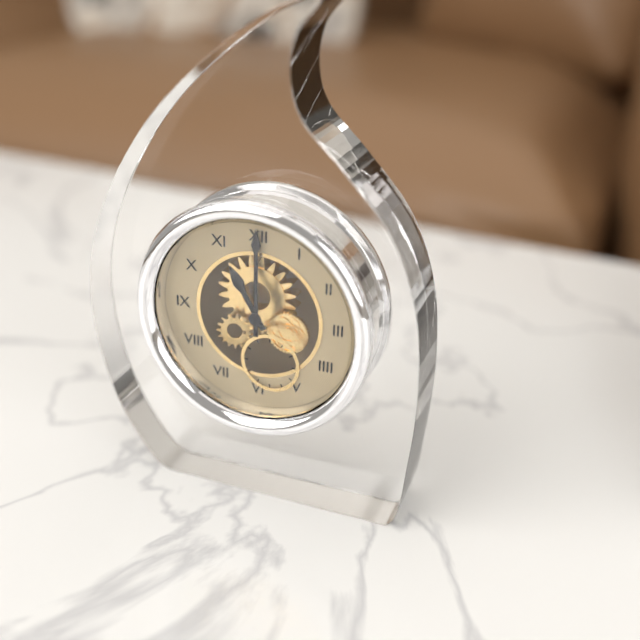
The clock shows 11.00
